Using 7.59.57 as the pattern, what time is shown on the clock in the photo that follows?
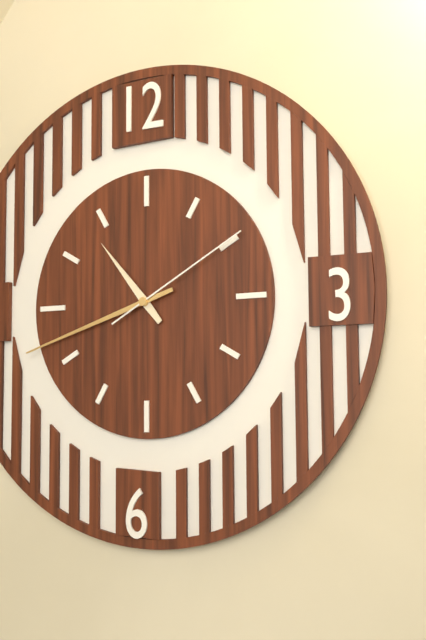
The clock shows 10.42.10
